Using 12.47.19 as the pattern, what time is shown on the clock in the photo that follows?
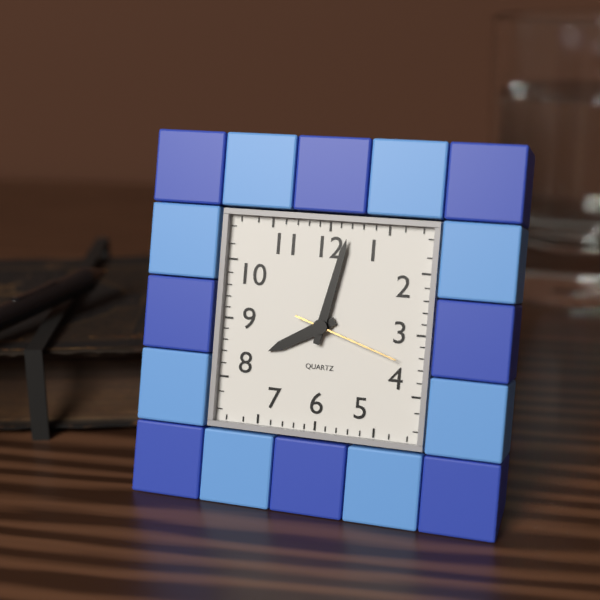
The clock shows 8.02.18
